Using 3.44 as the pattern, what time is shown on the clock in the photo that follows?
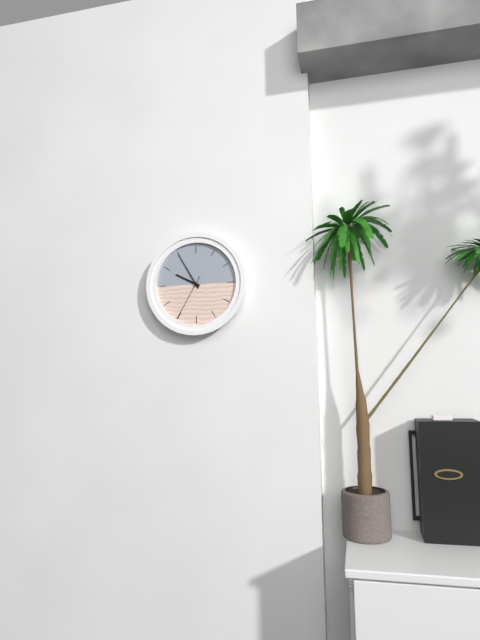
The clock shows 9.55
